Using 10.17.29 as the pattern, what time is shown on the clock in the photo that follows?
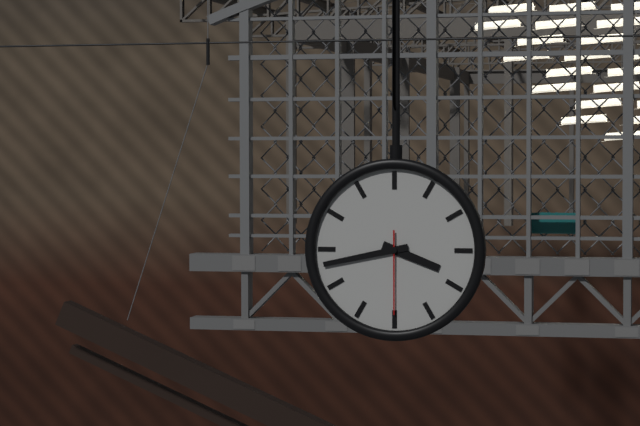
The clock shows 3.43.30
